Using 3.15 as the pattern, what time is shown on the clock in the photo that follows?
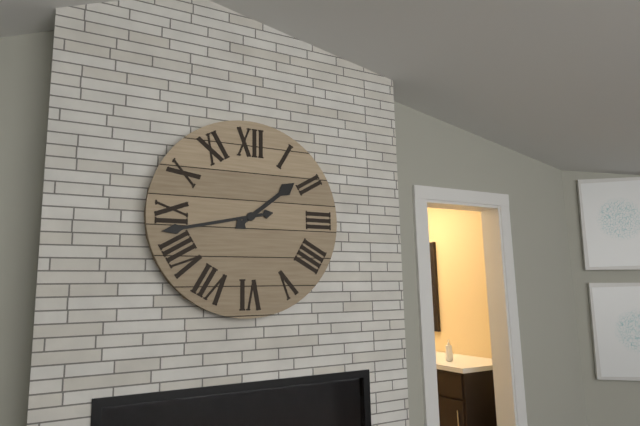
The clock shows 1.43
